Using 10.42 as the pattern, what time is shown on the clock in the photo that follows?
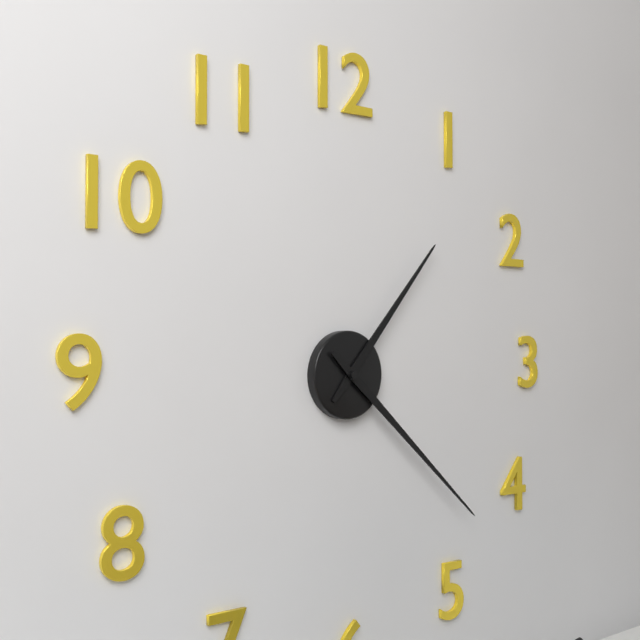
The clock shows 1.22
